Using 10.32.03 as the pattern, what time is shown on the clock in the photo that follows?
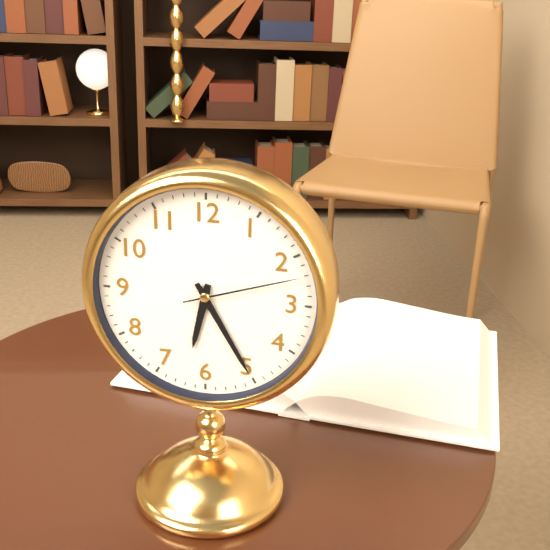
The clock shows 6.25.12
